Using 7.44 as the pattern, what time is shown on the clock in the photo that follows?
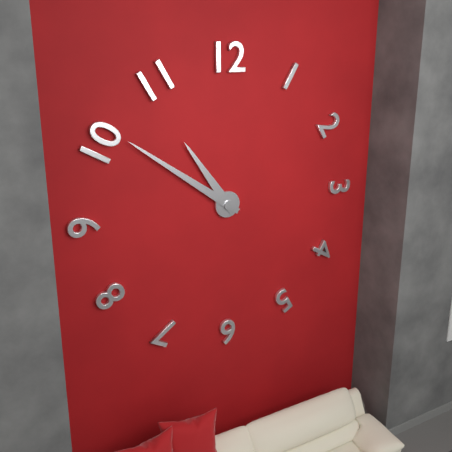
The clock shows 10.51
